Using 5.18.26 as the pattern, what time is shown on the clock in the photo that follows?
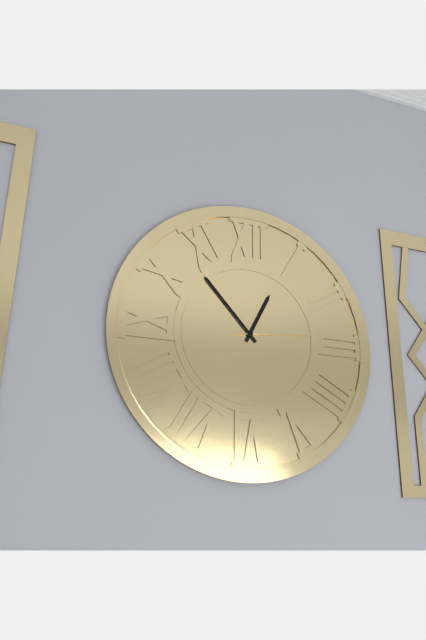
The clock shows 12.53.14
